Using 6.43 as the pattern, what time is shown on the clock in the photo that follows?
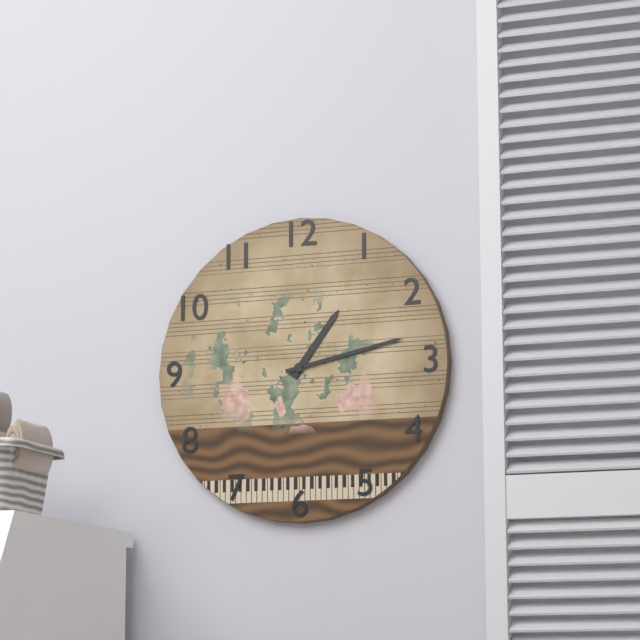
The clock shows 1.13
